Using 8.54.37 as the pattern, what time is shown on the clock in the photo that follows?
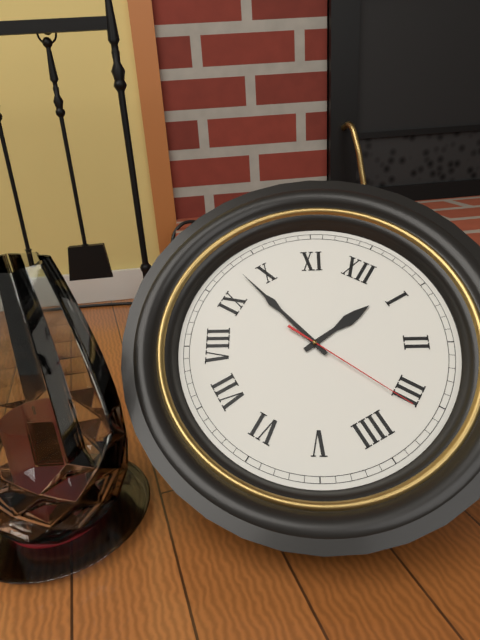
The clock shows 12.48.16
